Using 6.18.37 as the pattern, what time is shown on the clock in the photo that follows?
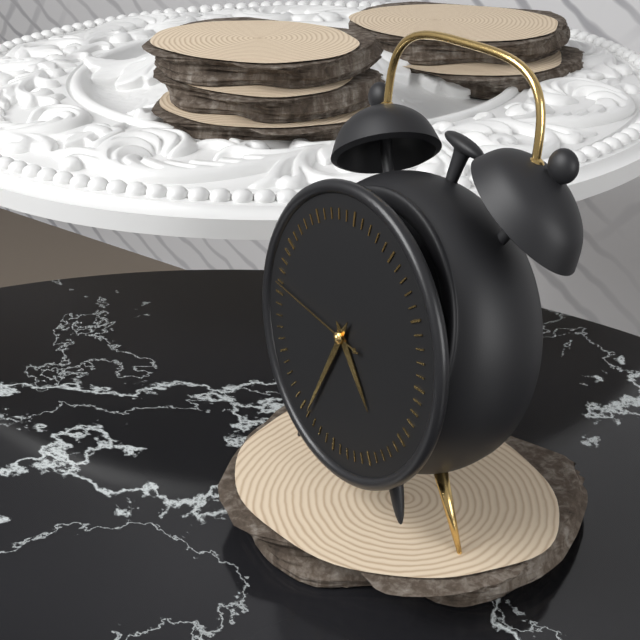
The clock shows 4.34.46
